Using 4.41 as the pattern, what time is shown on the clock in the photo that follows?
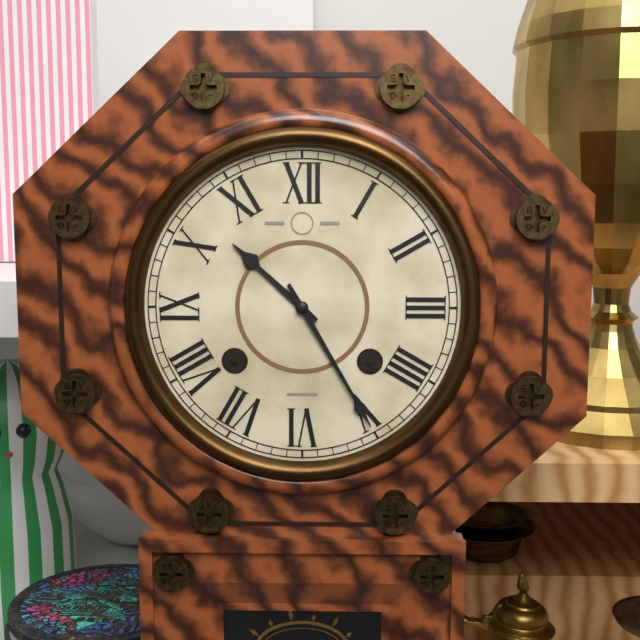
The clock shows 10.25
